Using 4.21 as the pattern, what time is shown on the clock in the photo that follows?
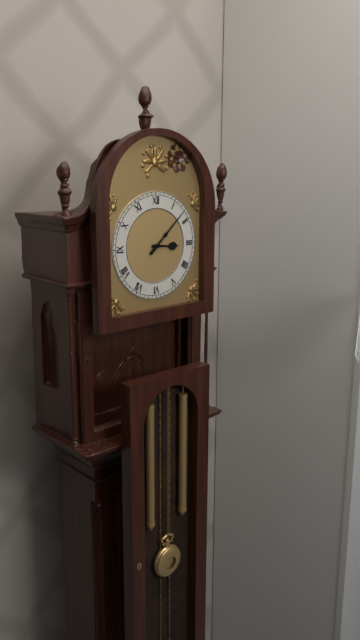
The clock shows 3.08
